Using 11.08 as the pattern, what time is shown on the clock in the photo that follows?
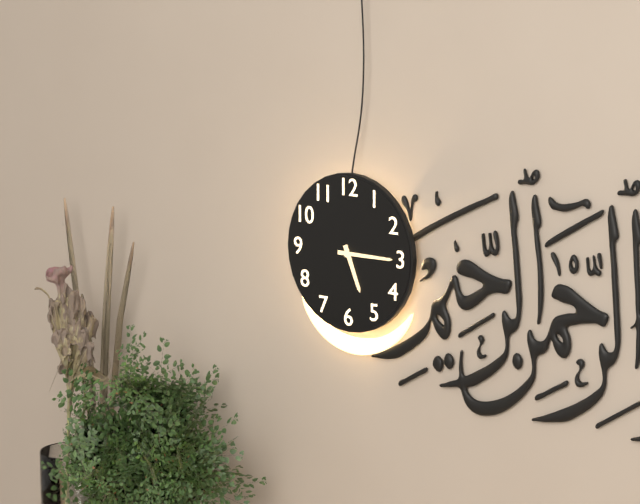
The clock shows 5.15
